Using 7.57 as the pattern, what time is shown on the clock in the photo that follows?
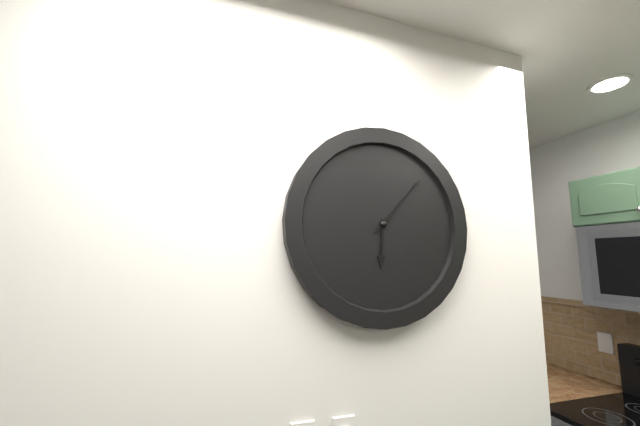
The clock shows 6.07
